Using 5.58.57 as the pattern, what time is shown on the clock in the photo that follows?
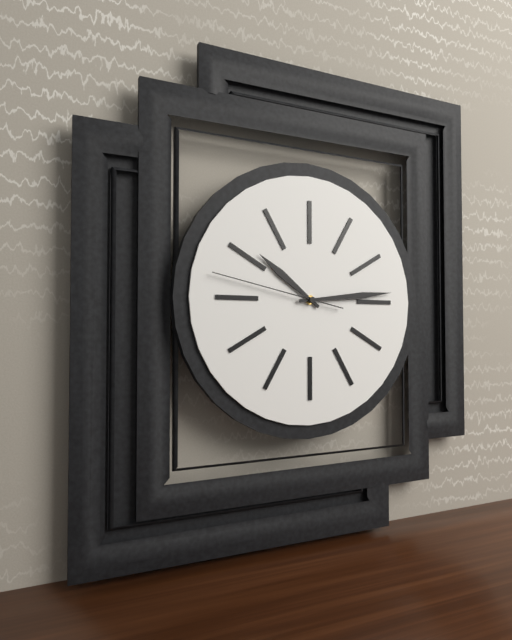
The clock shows 10.14.47
